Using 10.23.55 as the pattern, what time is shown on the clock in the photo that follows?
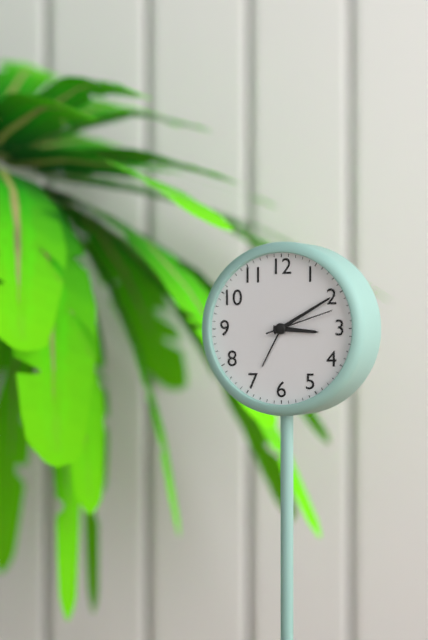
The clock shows 3.10.12
